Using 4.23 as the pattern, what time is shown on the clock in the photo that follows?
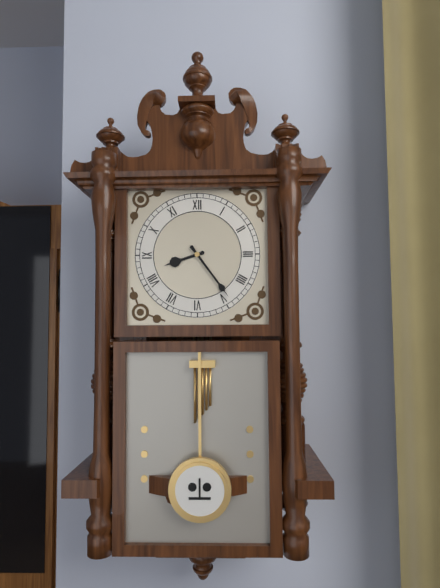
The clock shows 8.24
